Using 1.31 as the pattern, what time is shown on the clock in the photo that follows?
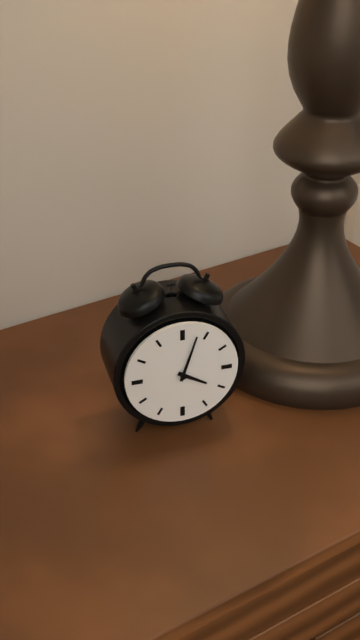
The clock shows 4.03
